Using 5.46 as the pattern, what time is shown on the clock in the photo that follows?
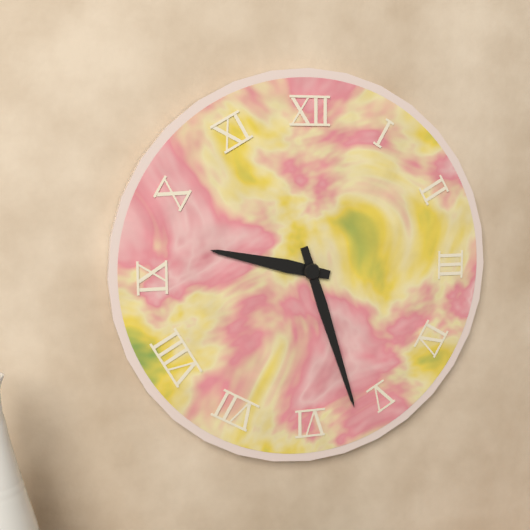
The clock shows 9.27
